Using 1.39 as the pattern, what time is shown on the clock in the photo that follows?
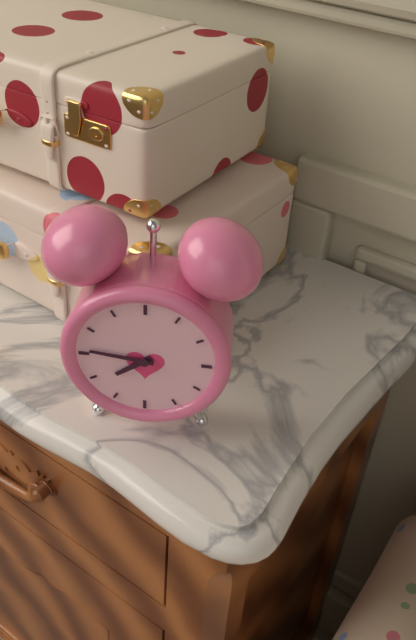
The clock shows 7.46
